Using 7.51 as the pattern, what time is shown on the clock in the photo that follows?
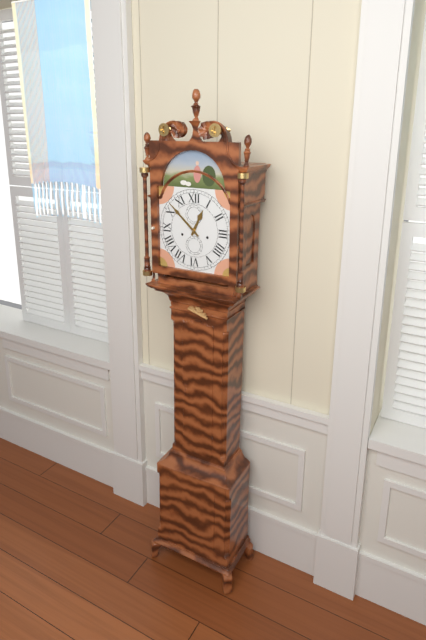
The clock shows 12.52
